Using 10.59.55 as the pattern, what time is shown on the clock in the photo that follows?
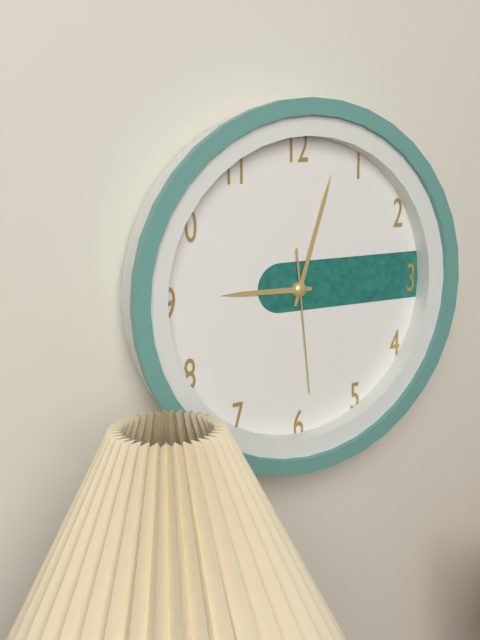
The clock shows 9.03.29
